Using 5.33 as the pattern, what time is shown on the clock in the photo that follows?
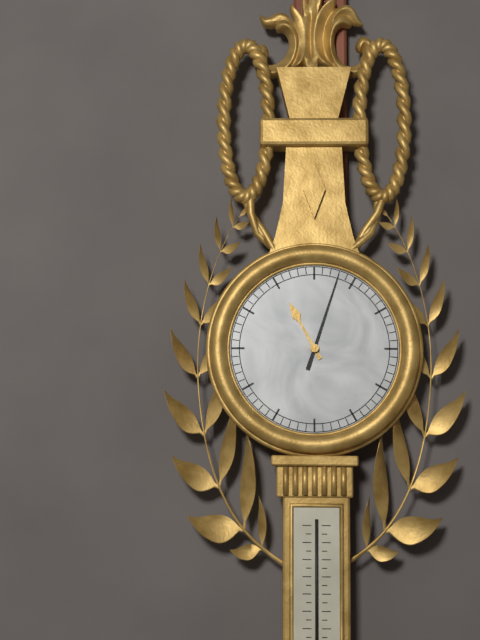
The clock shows 11.03
